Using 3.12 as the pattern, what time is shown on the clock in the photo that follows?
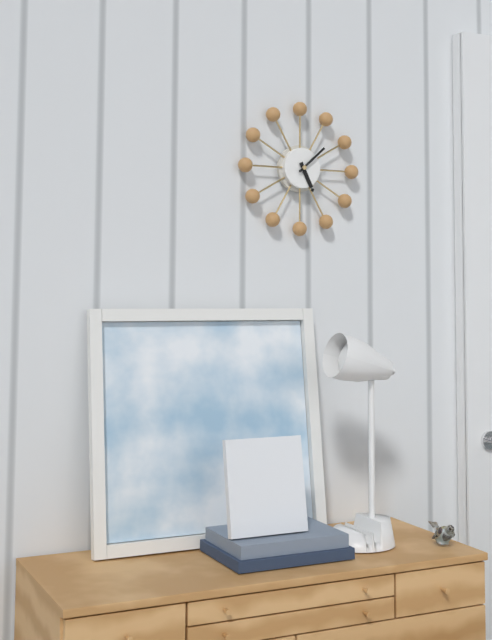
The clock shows 5.08
